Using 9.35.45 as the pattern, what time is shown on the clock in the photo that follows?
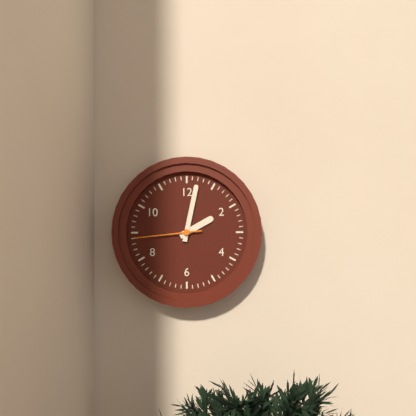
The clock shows 2.02.44
